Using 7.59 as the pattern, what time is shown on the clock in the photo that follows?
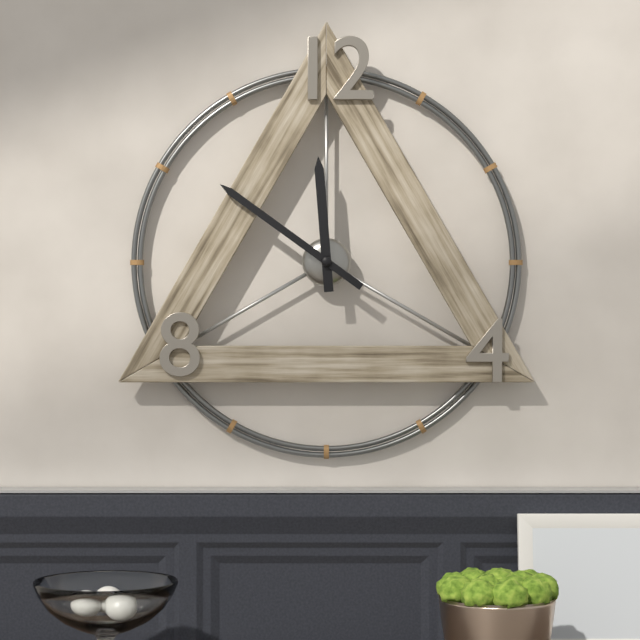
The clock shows 11.51
